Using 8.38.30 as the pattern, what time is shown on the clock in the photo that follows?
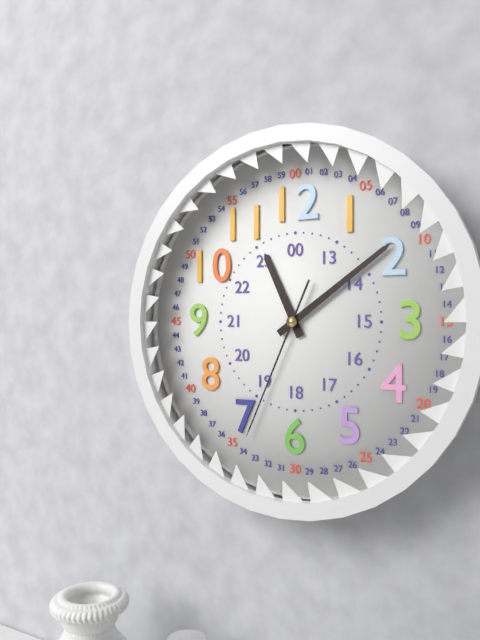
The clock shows 11.09.34
